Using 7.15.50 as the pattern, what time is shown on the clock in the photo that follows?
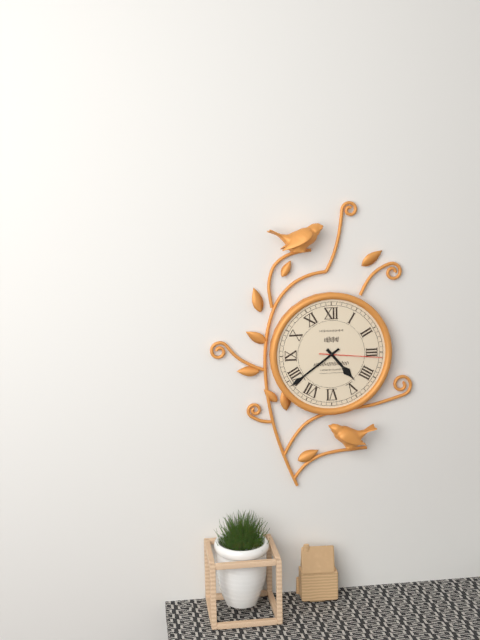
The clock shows 4.39.16
